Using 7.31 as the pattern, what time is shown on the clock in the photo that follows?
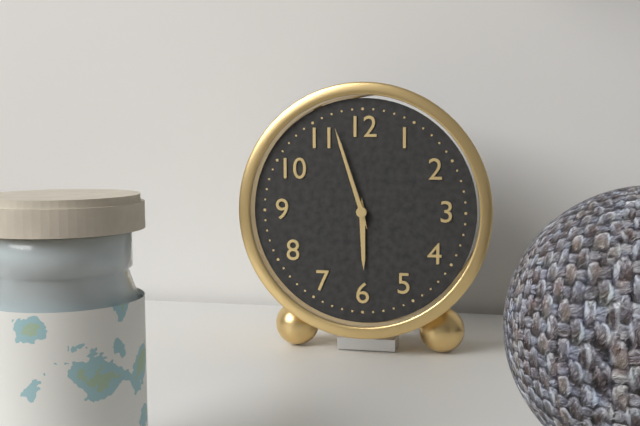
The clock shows 5.57
